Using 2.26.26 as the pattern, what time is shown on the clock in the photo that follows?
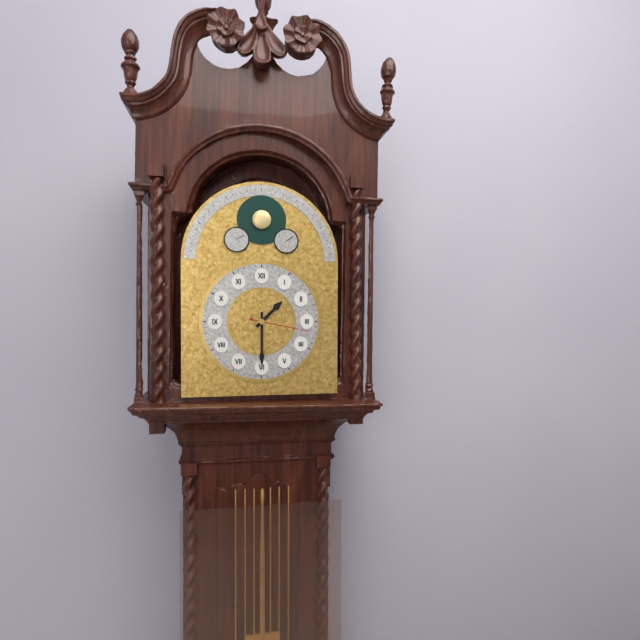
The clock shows 1.30.17
